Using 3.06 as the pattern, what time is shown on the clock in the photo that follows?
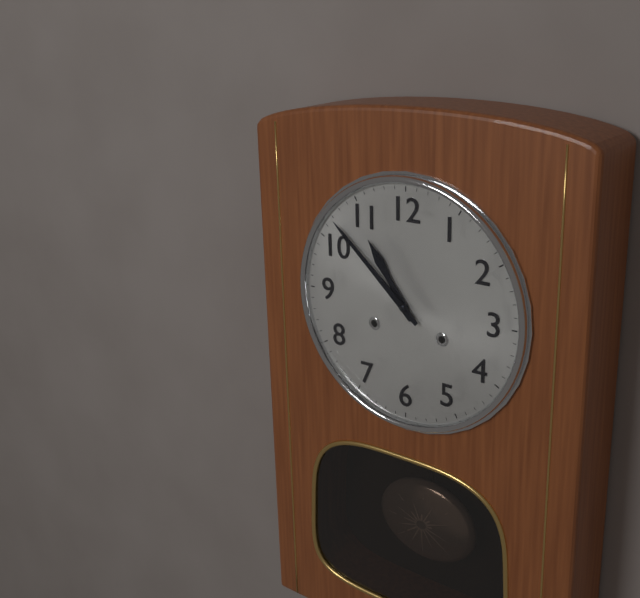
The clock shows 10.52
